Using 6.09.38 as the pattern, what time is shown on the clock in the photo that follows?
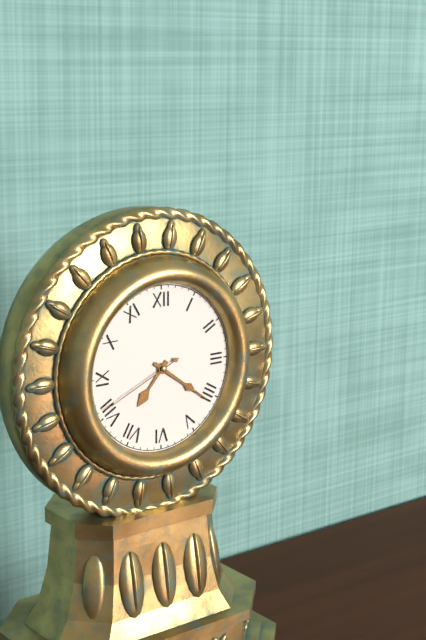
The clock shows 7.21.41
